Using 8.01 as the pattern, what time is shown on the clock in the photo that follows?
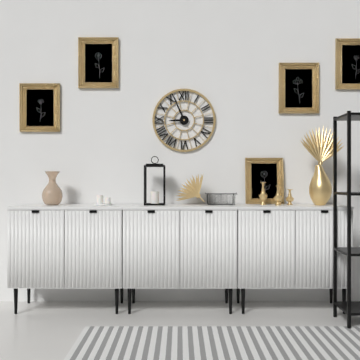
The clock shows 8.56
